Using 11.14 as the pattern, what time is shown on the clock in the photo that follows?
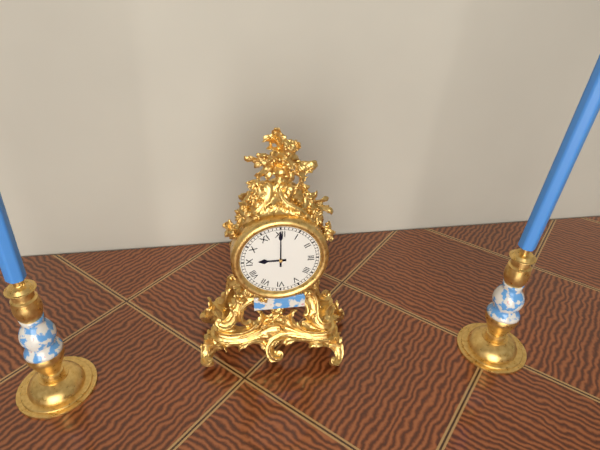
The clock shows 9.00
